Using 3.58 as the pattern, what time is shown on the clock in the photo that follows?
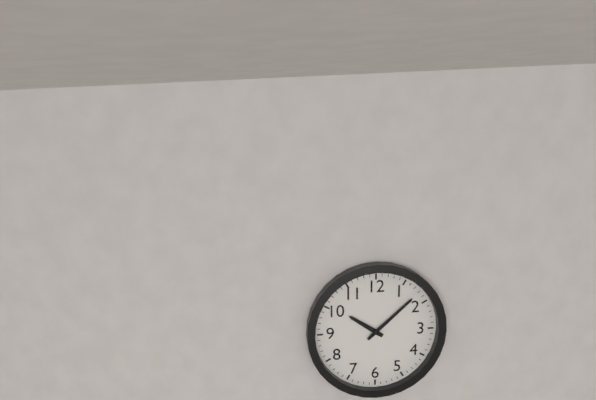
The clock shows 10.08
